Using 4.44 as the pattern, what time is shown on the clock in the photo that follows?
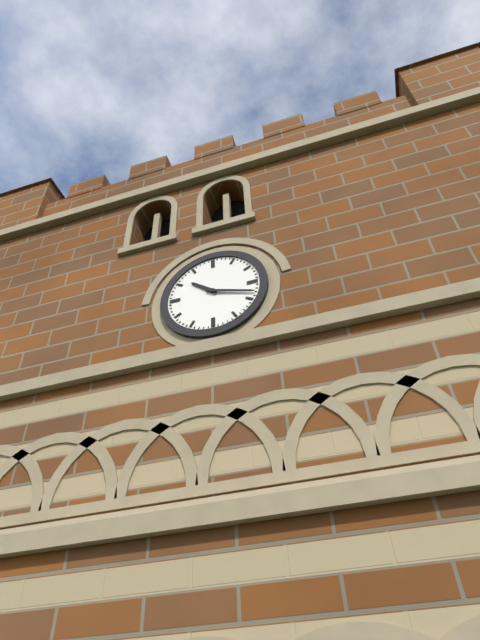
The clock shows 10.18
